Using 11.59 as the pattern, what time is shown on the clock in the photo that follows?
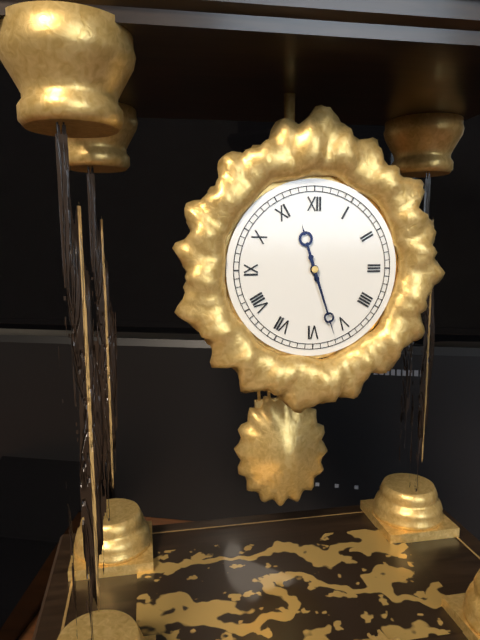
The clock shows 11.27
